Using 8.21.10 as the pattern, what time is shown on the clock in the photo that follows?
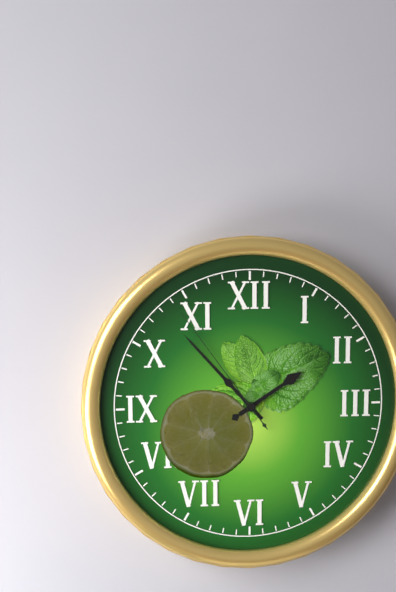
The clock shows 1.53.54
